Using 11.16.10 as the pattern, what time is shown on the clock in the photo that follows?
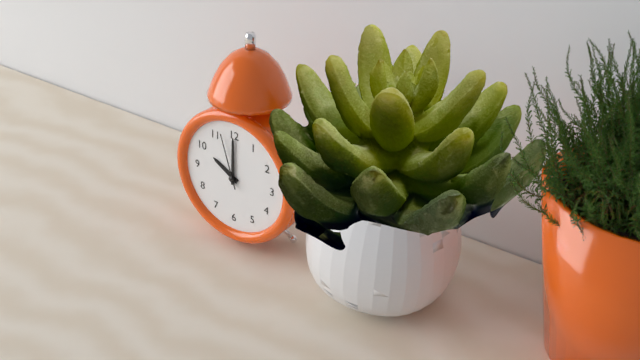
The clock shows 10.00.57
